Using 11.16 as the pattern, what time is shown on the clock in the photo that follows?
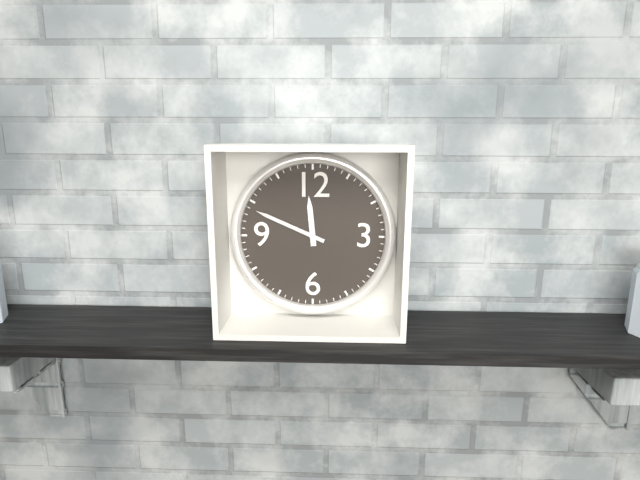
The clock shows 11.49
